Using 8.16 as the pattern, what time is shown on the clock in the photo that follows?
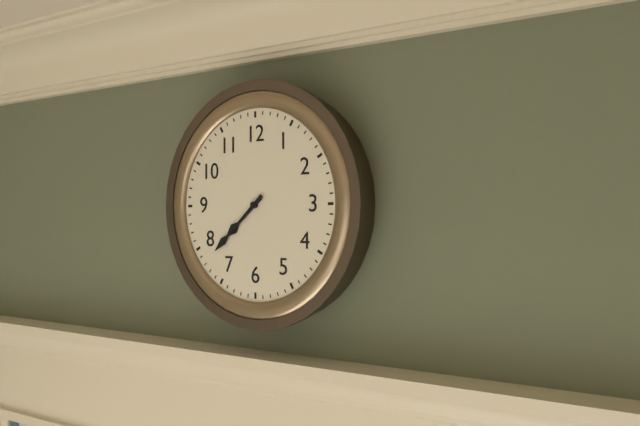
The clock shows 7.38
